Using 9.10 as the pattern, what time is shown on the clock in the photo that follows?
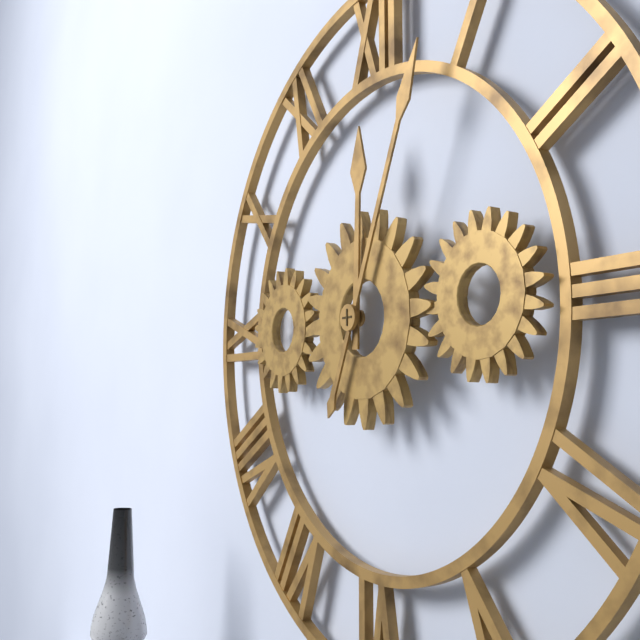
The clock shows 12.04
